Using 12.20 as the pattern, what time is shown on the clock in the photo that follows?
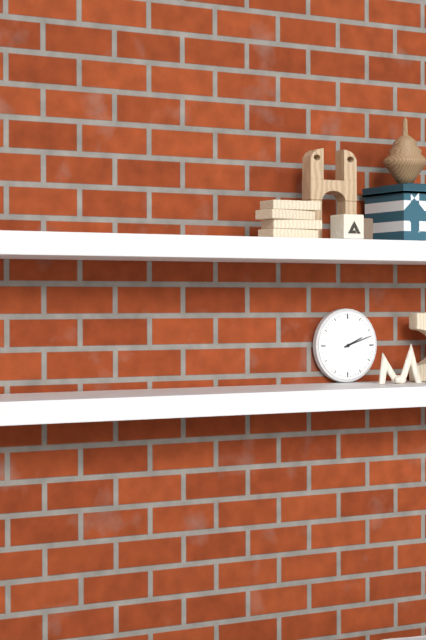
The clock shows 2.12
